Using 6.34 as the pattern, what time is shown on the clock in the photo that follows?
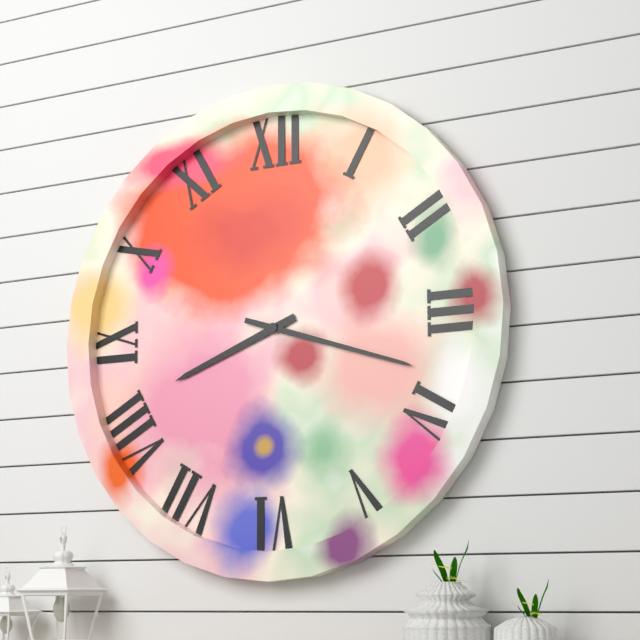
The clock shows 8.18
